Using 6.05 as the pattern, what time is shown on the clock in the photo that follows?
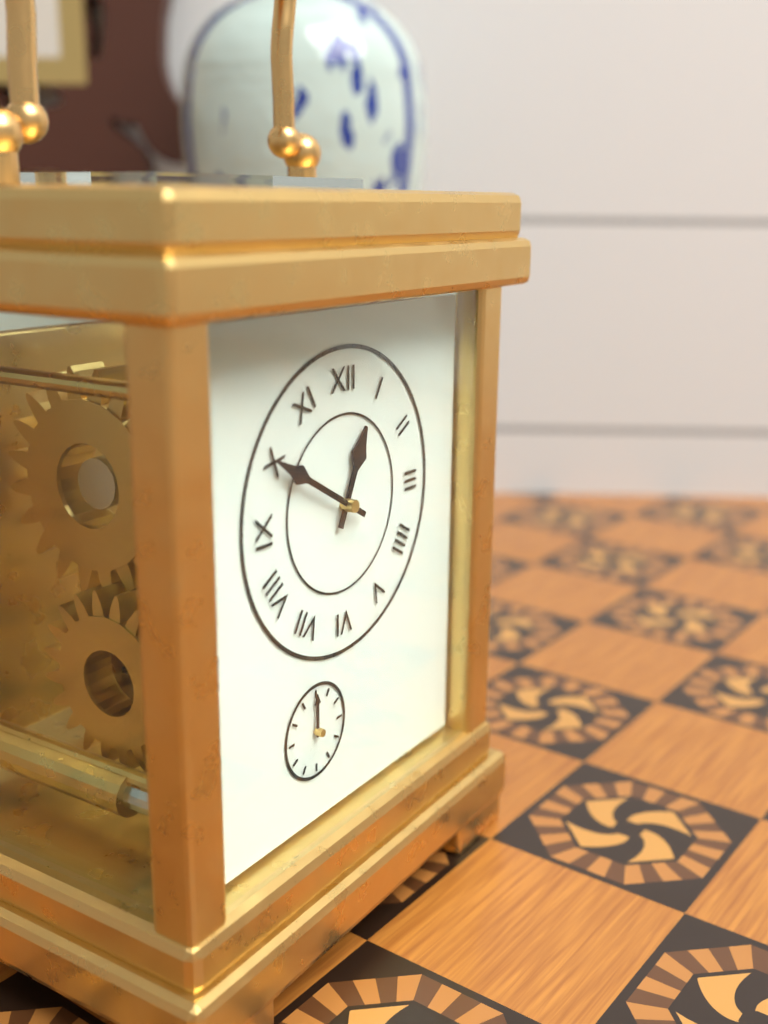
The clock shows 12.50
